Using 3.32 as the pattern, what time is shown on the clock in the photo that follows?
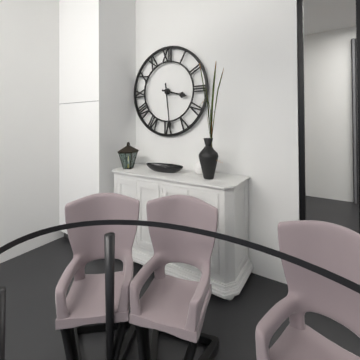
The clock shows 3.29
